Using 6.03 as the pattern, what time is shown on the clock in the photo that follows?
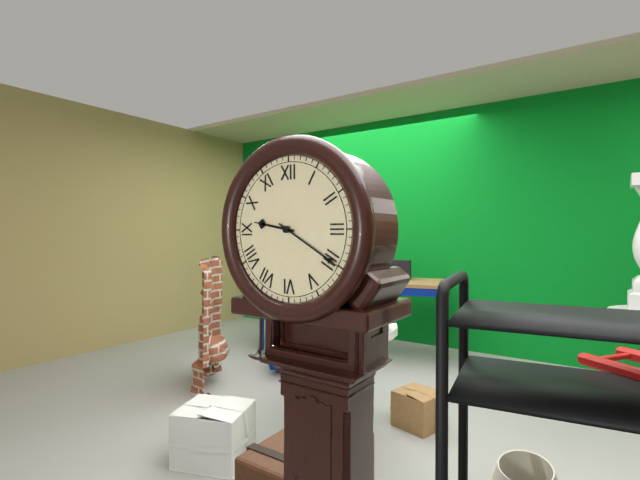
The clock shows 9.20
